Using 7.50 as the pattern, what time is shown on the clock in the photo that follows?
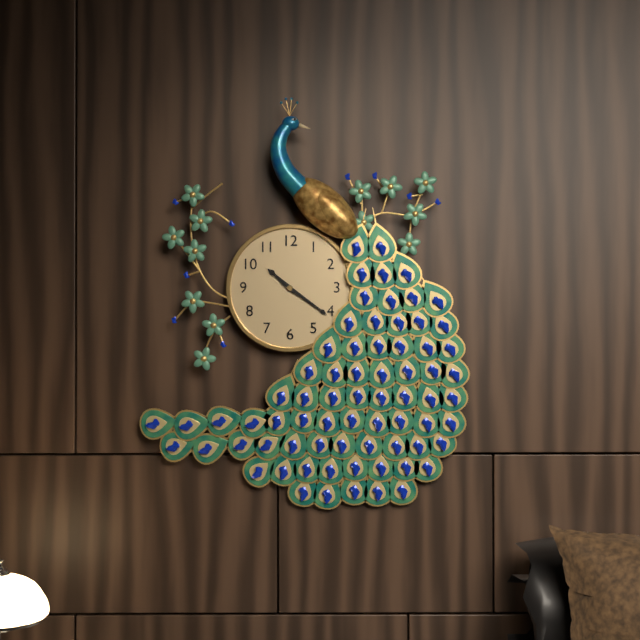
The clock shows 10.21
